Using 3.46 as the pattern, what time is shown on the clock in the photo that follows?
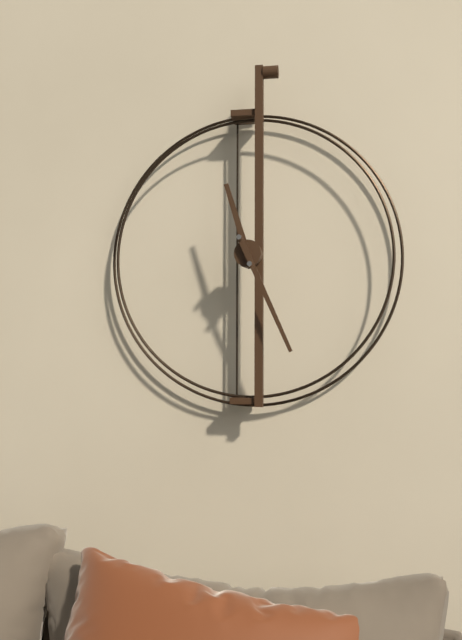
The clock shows 11.26
